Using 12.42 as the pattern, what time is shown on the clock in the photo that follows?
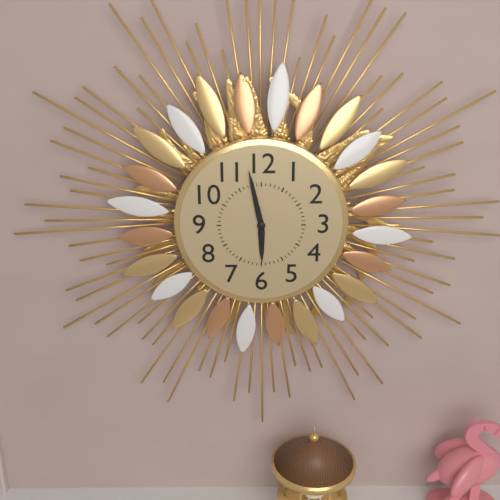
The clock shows 5.58
